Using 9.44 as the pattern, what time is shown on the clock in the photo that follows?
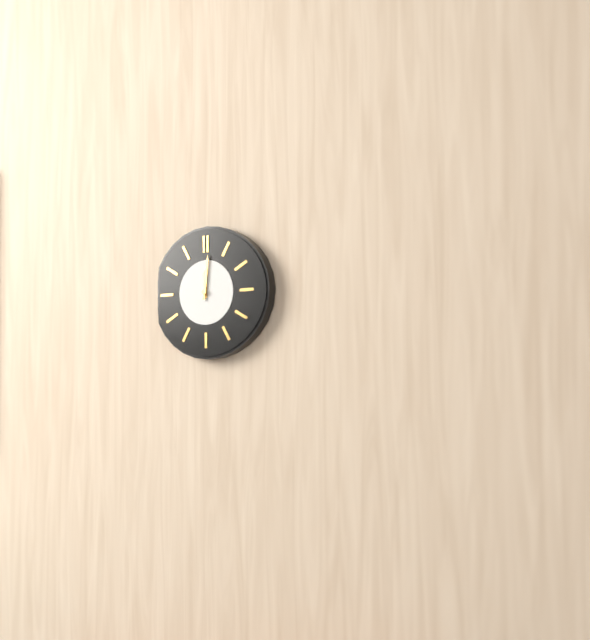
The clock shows 12.01
